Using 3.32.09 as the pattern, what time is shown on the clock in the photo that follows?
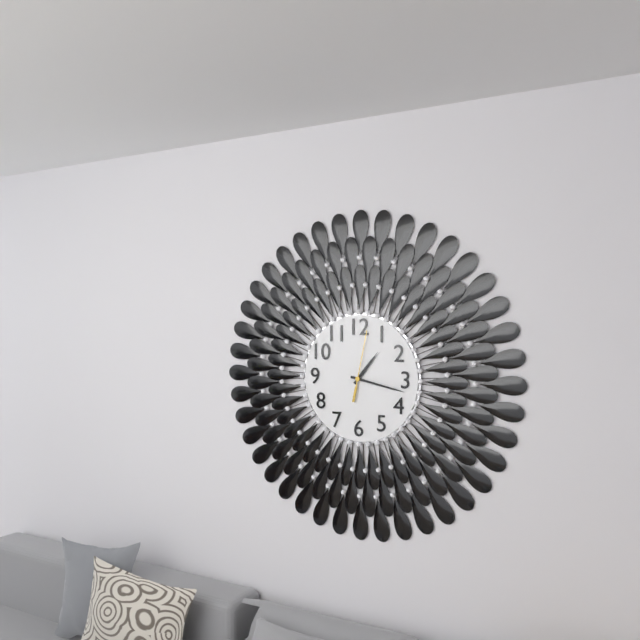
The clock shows 1.17.02
